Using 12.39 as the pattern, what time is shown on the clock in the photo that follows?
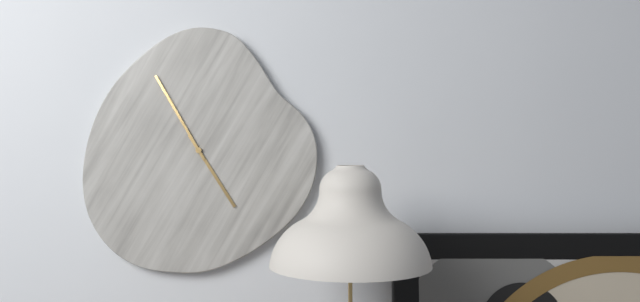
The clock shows 4.55
